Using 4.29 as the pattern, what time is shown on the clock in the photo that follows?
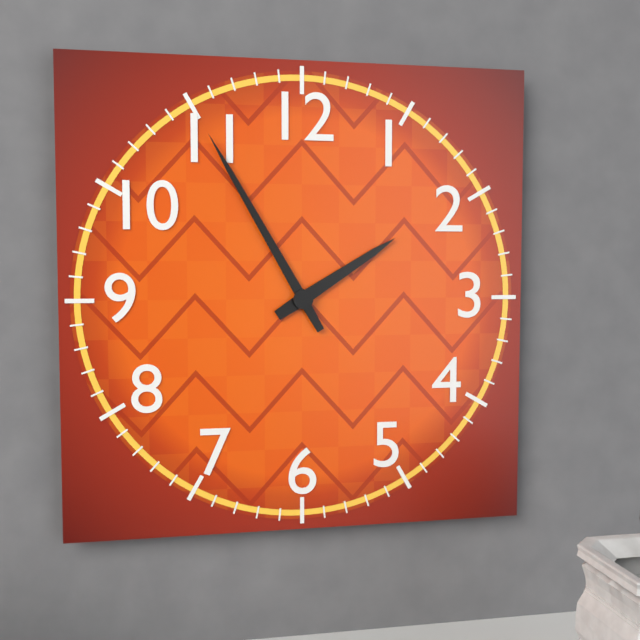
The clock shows 1.55
